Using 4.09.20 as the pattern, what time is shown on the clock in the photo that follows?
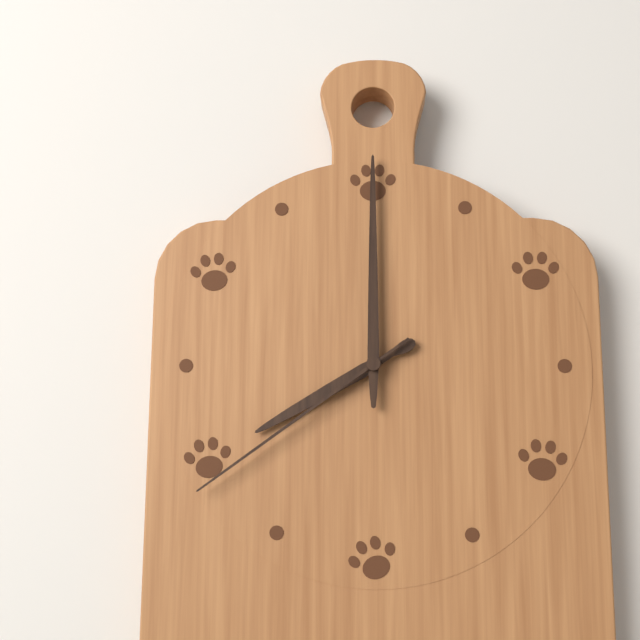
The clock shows 8.00.39
